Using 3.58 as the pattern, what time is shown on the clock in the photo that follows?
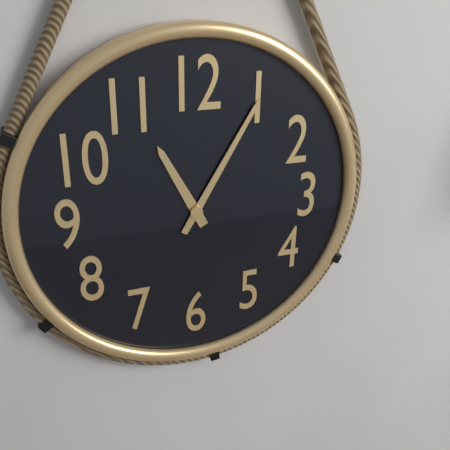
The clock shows 11.05
